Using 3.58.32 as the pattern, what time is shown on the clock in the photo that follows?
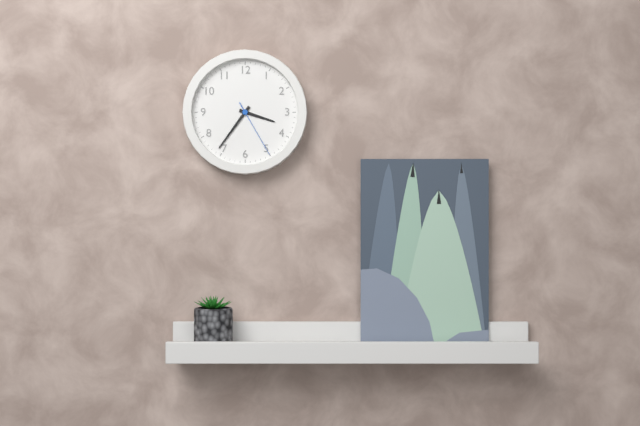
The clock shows 3.36.25
